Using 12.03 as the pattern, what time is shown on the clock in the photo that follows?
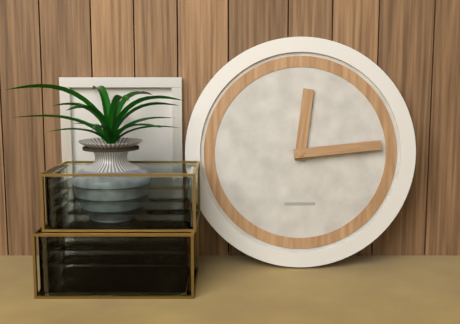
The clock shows 12.14
